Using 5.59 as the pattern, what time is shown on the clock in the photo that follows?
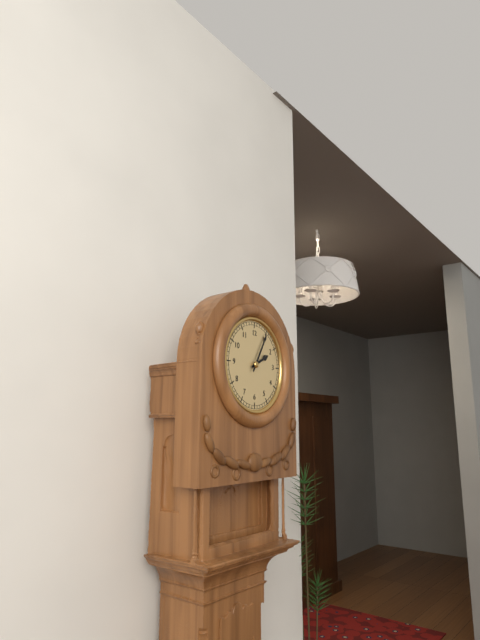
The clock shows 2.05
